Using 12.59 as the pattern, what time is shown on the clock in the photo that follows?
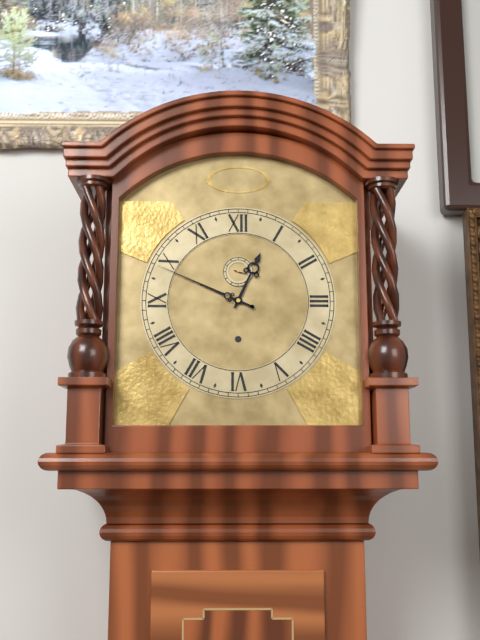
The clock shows 12.49
